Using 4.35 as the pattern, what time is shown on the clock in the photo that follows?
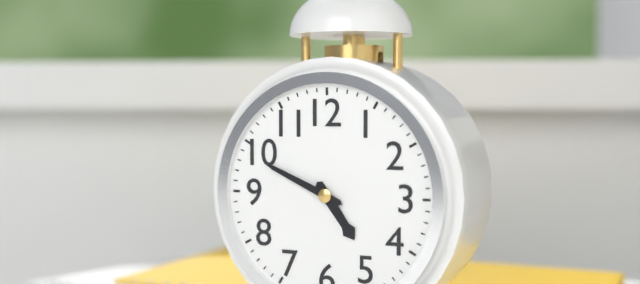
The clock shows 4.49
